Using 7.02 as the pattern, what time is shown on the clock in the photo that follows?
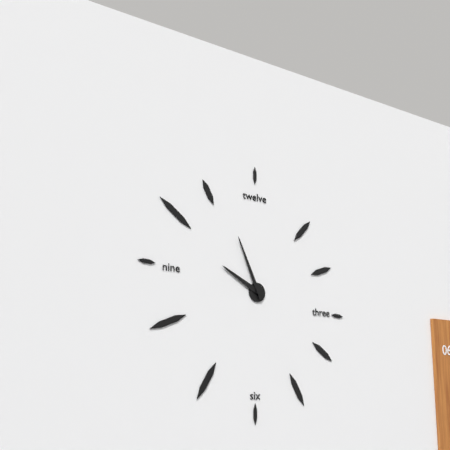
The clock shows 9.56
